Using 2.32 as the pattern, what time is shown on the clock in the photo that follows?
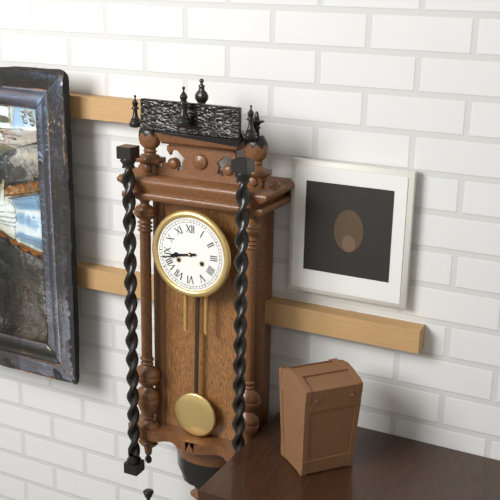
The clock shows 8.43
